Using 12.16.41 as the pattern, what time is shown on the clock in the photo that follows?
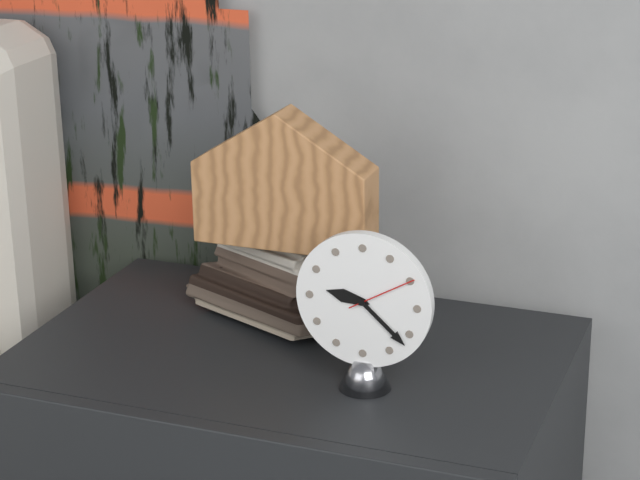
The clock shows 9.22.10
